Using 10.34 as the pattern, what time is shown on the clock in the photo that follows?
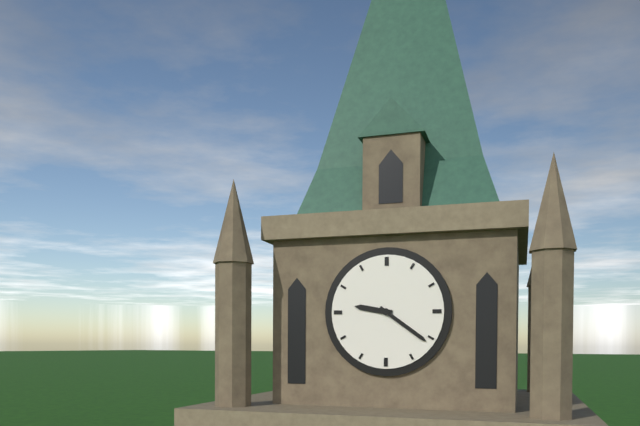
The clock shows 9.21
